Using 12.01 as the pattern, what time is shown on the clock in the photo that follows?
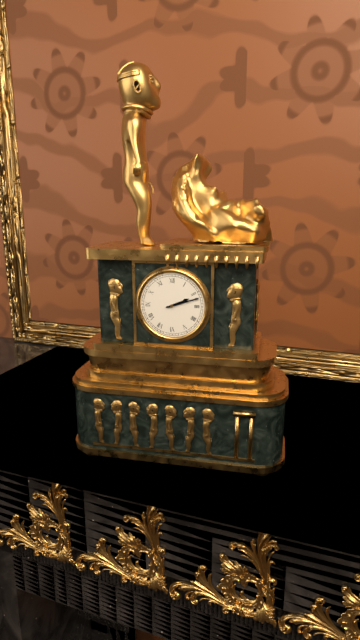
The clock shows 2.12
